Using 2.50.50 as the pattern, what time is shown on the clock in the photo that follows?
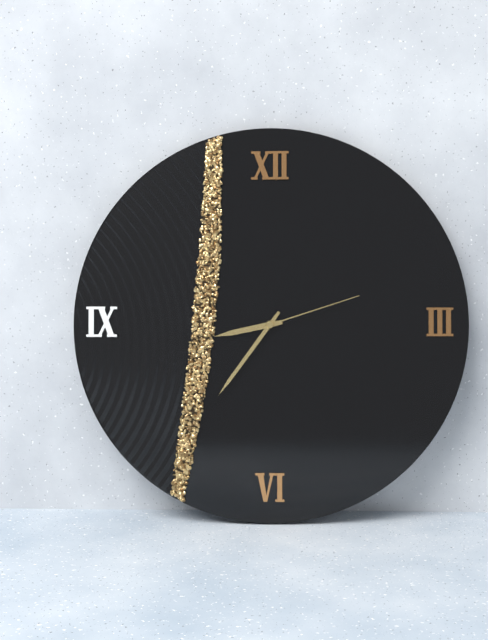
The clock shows 8.36.12
